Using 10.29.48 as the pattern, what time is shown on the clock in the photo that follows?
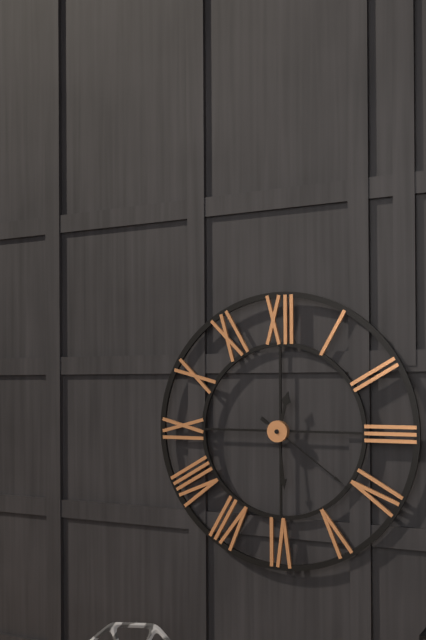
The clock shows 12.29.21
